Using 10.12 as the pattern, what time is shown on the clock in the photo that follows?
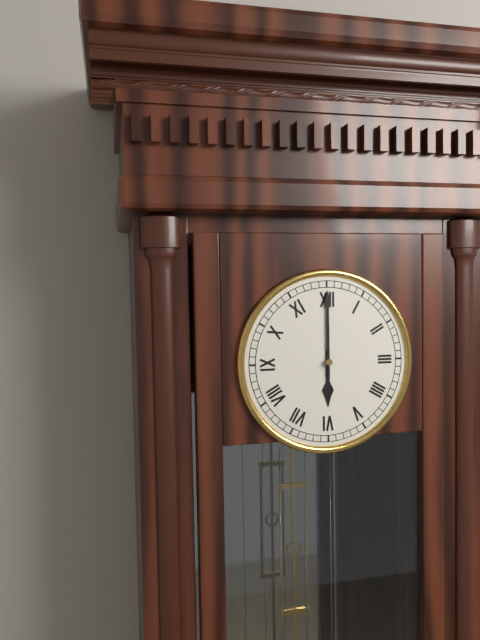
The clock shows 6.00
